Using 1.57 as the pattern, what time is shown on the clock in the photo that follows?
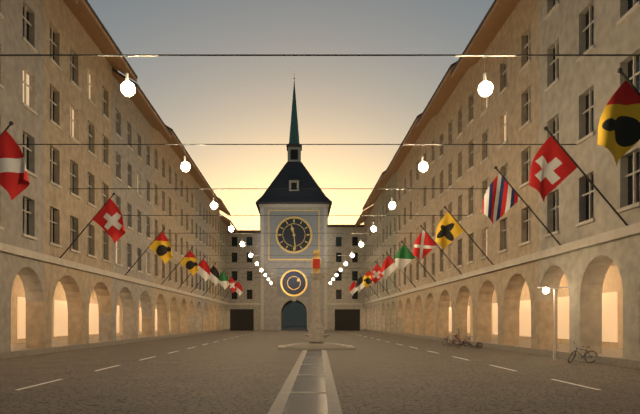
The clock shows 11.29
